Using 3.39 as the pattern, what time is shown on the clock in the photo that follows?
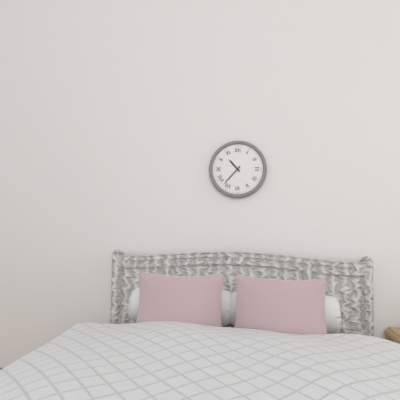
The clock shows 10.37
